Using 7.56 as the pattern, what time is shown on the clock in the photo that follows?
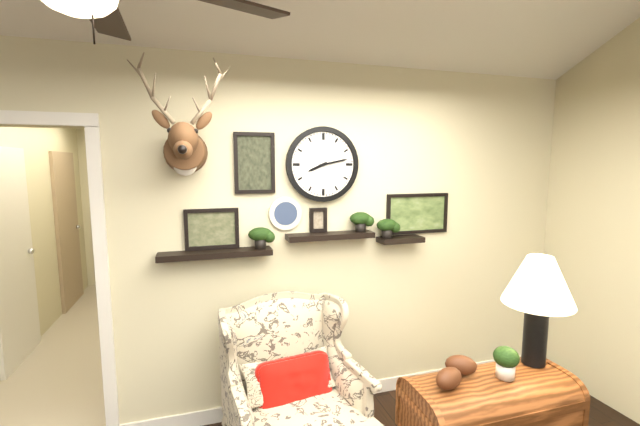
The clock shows 8.13
